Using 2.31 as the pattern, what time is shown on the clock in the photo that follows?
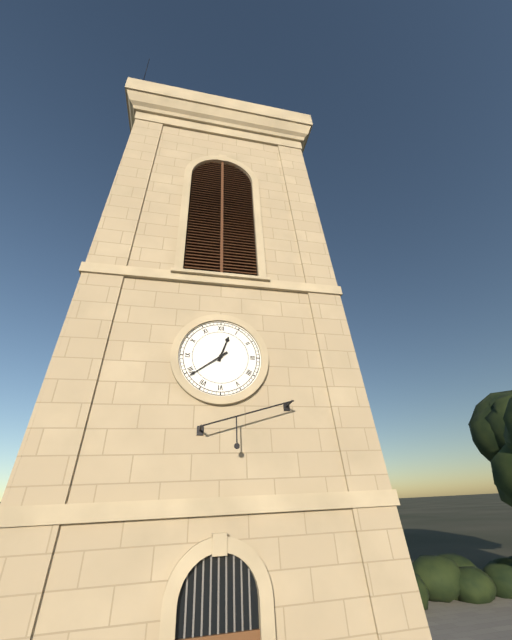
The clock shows 12.39
